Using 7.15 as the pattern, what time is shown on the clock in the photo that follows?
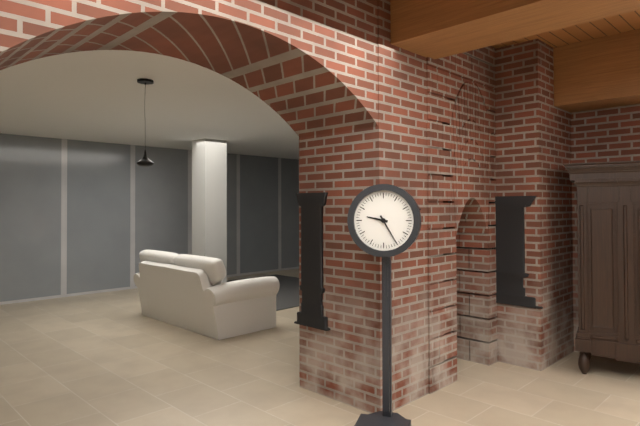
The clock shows 9.25
